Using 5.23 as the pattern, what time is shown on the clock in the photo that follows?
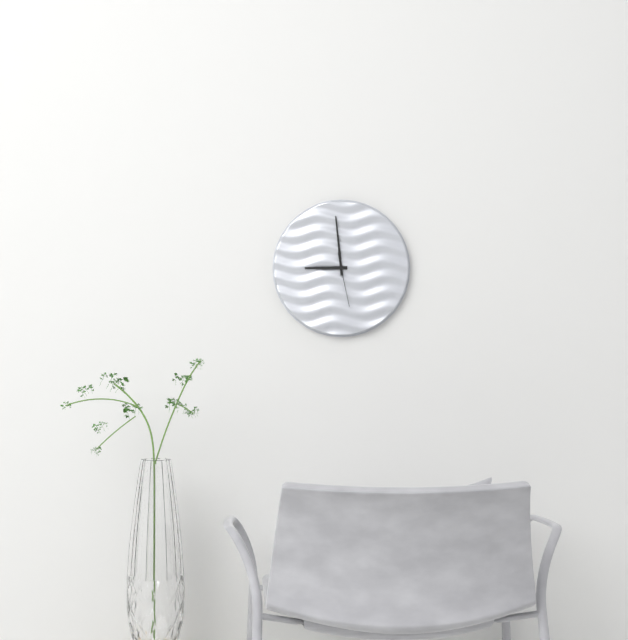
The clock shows 8.59
